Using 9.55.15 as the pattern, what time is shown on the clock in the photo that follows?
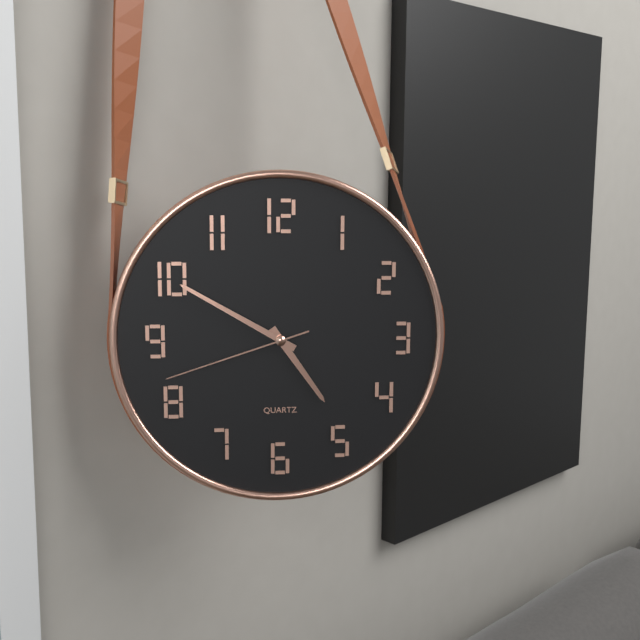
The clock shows 4.50.42
